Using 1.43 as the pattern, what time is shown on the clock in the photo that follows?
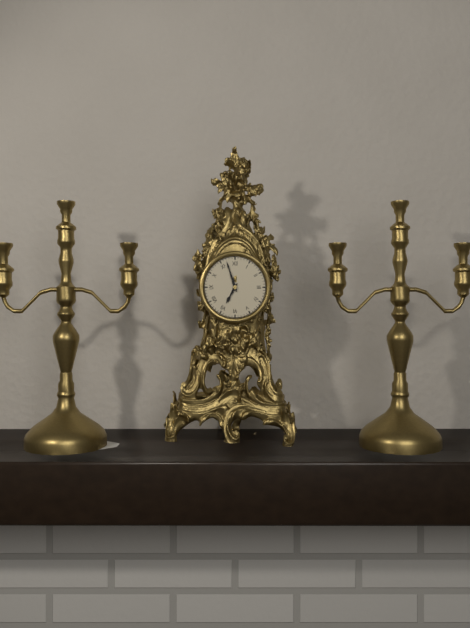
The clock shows 6.57
